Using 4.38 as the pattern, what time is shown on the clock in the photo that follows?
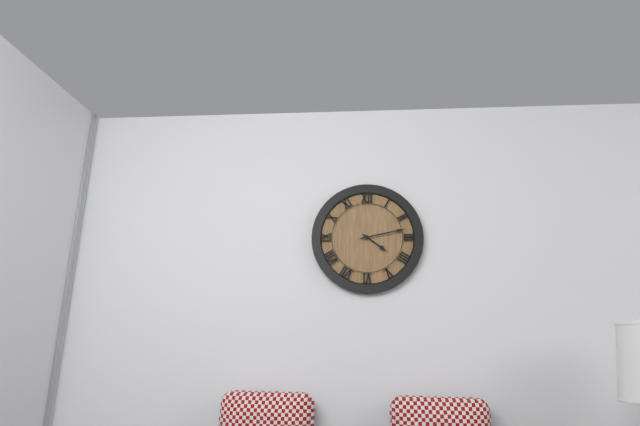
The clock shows 4.13
